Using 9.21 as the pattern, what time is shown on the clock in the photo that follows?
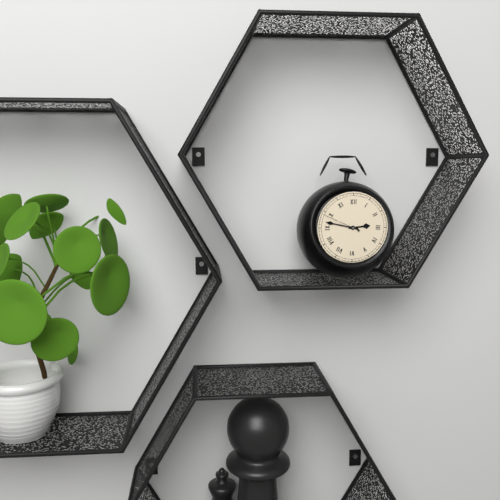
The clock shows 2.47
